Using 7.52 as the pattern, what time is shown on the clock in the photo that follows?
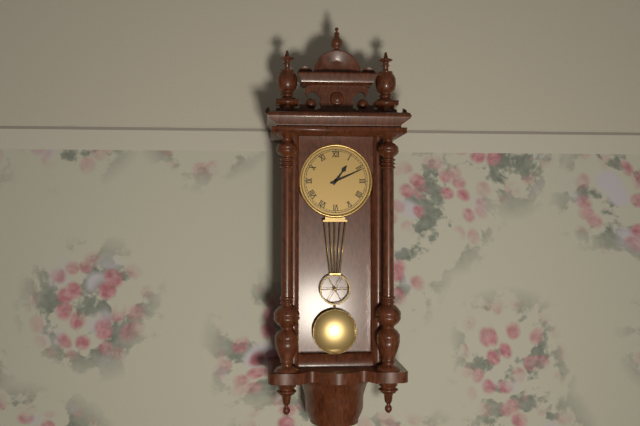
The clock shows 1.11
